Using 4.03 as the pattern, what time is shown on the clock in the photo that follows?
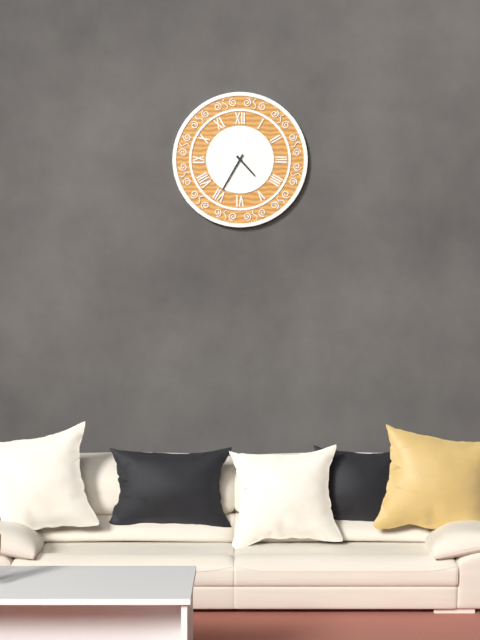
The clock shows 4.35
